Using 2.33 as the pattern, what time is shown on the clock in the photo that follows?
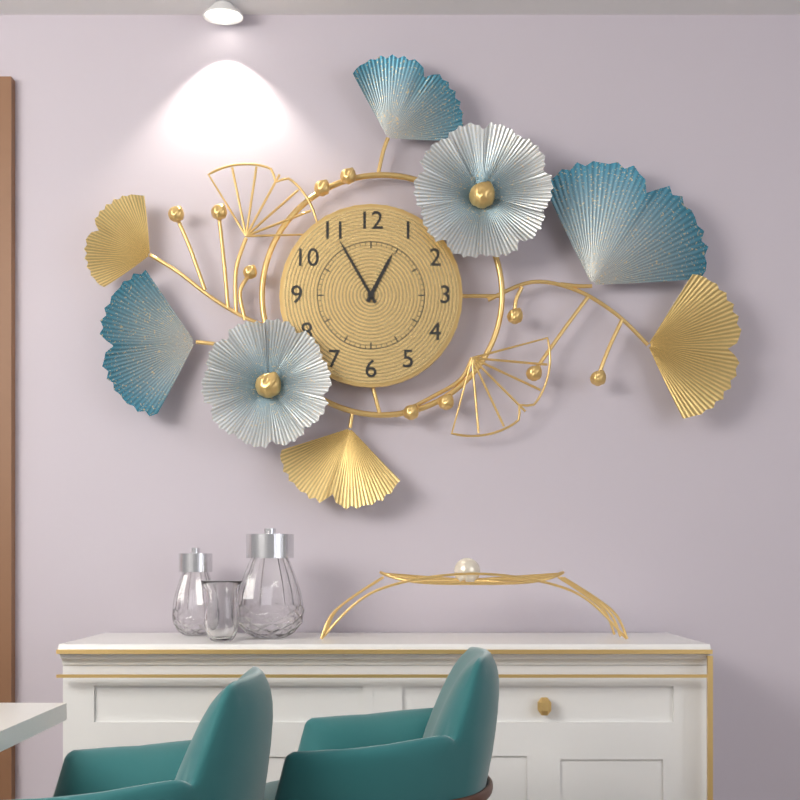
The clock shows 12.55
